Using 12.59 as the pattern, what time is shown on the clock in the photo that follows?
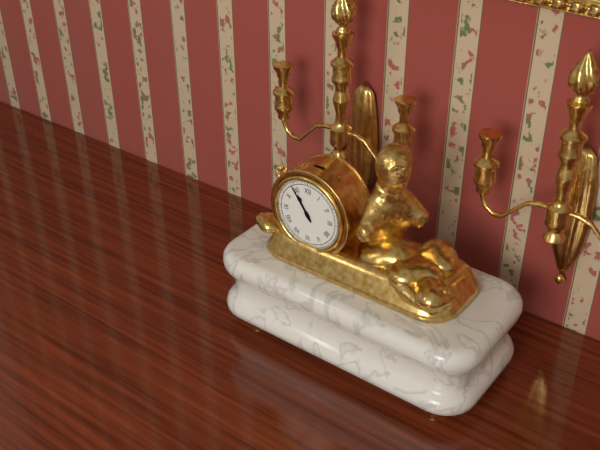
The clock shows 10.54
